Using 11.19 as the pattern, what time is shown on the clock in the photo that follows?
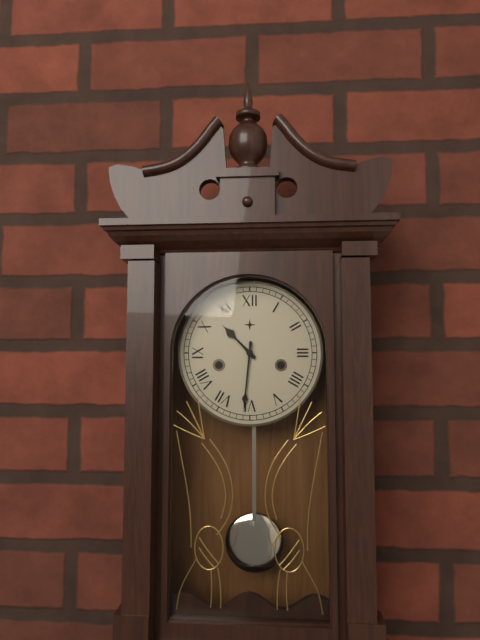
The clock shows 10.31
